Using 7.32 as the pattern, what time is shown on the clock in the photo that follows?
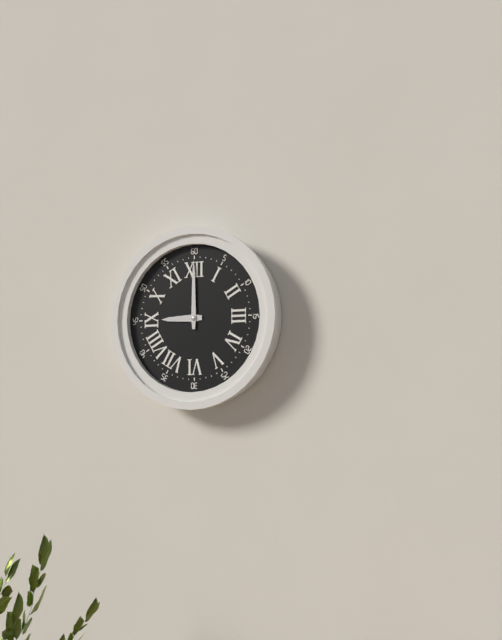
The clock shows 9.00
